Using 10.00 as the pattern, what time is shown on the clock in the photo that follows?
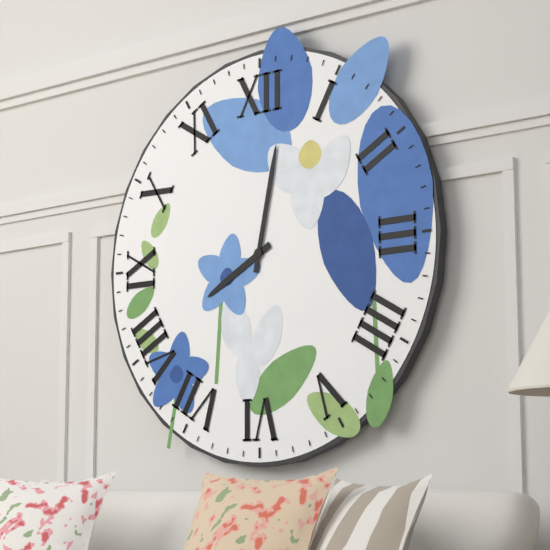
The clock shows 8.02
